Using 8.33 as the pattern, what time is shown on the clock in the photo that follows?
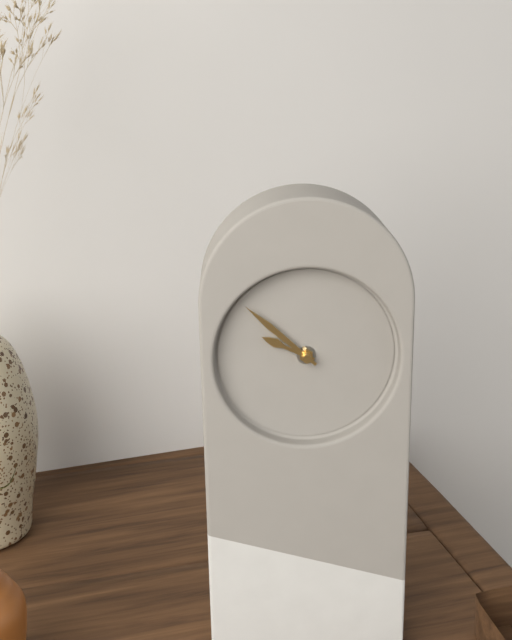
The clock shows 9.52
